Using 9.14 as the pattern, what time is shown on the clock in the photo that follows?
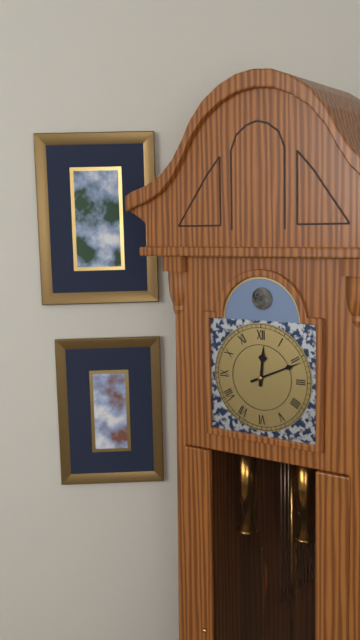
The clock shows 12.11
